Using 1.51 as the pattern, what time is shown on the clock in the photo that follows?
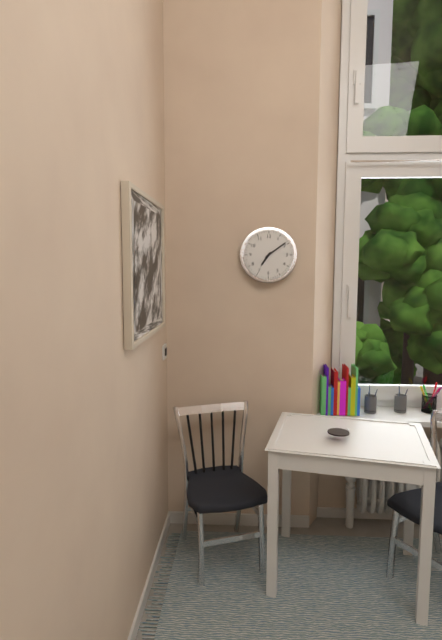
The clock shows 7.09
